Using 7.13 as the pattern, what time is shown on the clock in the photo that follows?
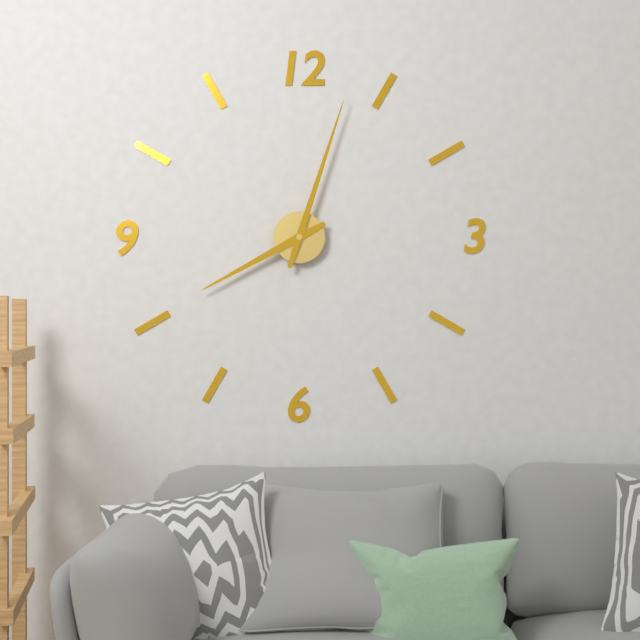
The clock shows 8.03
